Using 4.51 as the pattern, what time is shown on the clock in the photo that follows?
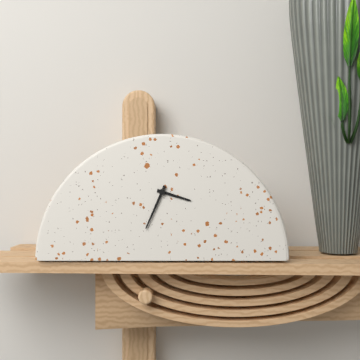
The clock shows 3.34
